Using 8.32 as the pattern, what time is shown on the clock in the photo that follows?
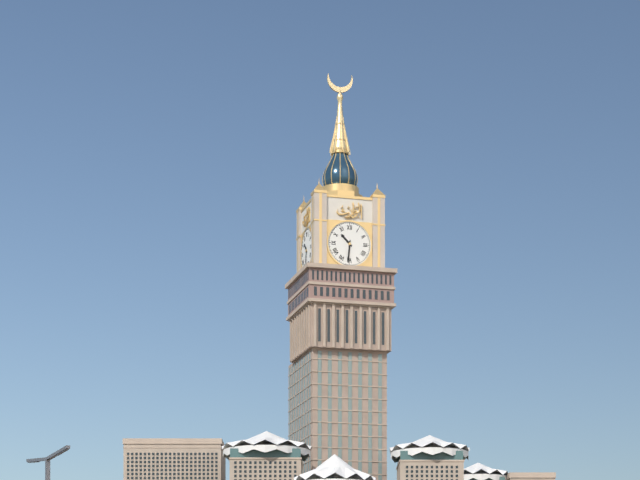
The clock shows 10.31
